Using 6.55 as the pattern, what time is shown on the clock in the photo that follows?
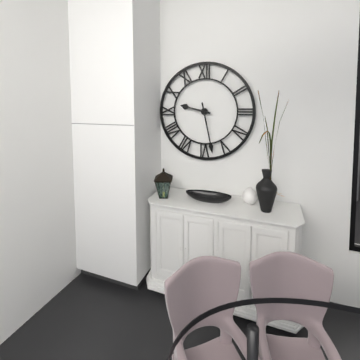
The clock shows 9.28
